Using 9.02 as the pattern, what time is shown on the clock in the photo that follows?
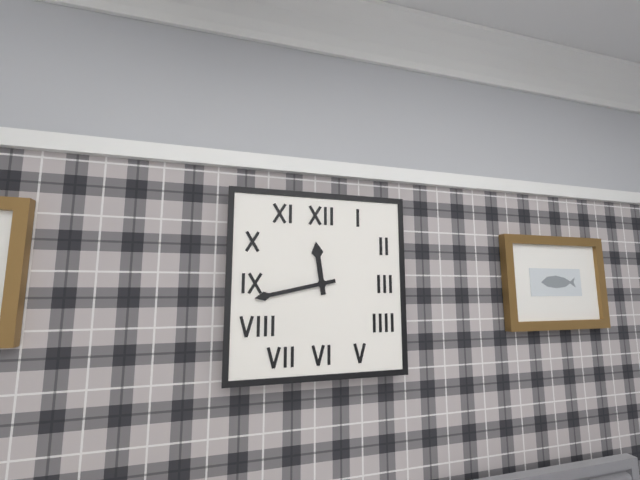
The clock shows 11.43
